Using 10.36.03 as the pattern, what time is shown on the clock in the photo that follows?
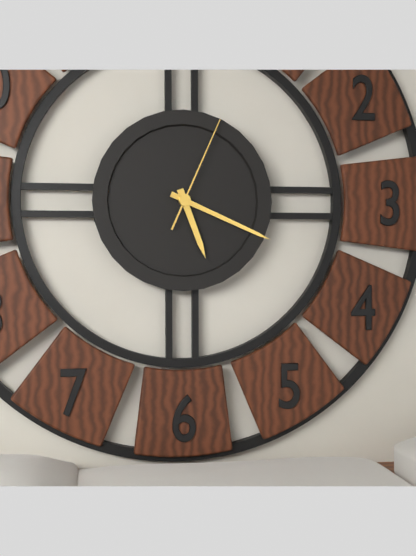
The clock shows 5.19.04
